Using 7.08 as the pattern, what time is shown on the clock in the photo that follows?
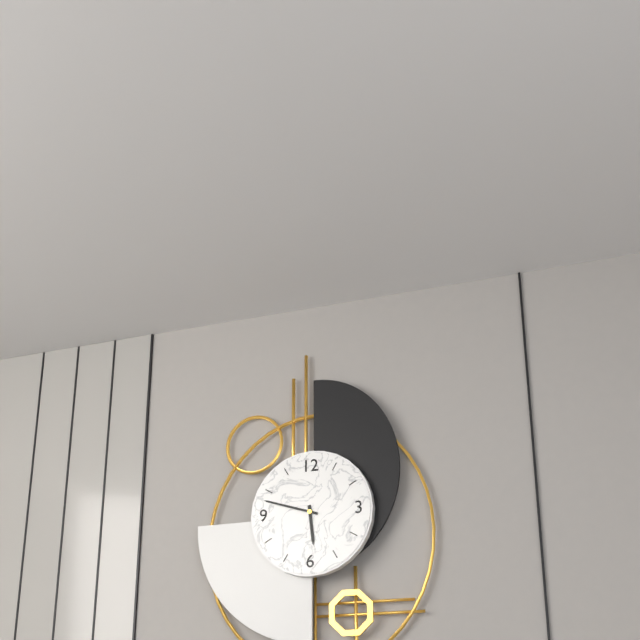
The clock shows 5.48
